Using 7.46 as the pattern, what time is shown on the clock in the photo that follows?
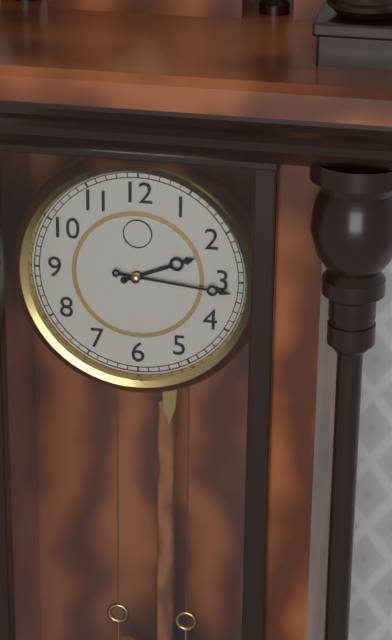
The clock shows 2.16
